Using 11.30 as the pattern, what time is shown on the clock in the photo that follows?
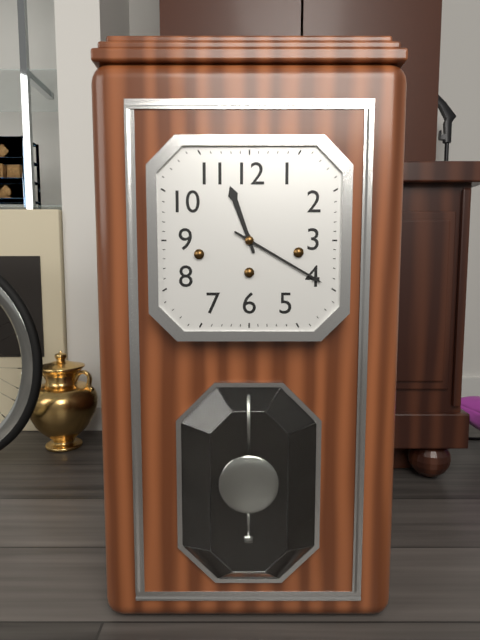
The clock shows 11.20
